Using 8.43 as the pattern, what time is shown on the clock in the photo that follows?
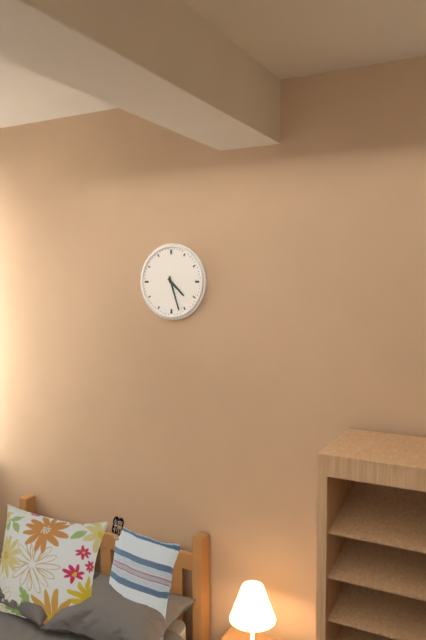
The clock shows 4.27
